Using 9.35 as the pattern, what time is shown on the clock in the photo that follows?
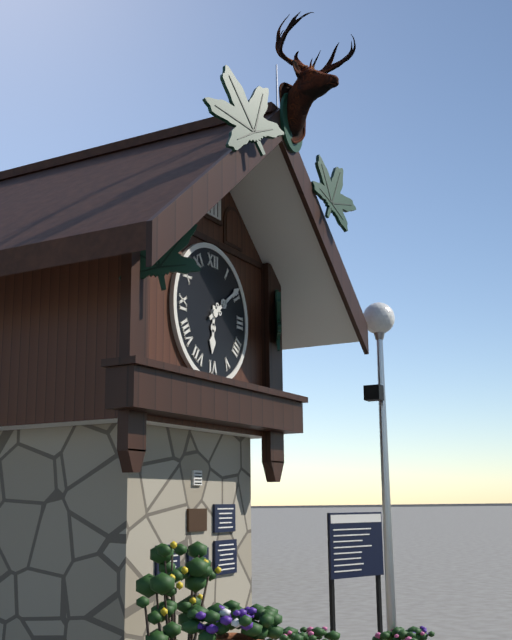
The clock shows 6.09
